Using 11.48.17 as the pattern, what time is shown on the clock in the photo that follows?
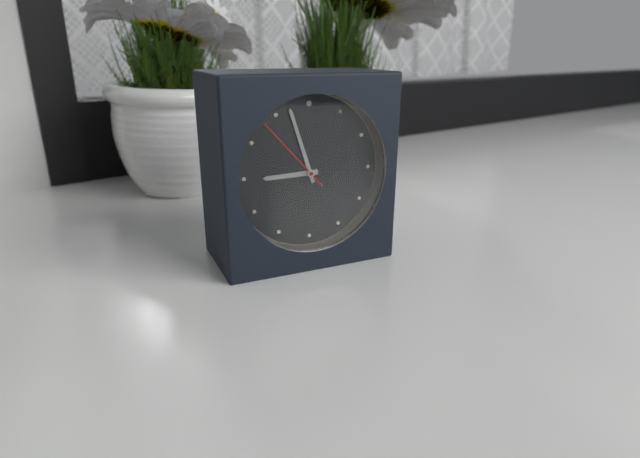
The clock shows 8.57.53
